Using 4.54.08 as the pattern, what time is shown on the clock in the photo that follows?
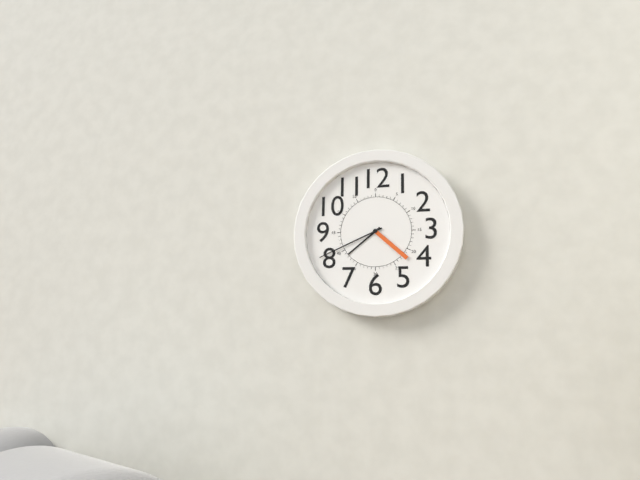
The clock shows 7.41.22
